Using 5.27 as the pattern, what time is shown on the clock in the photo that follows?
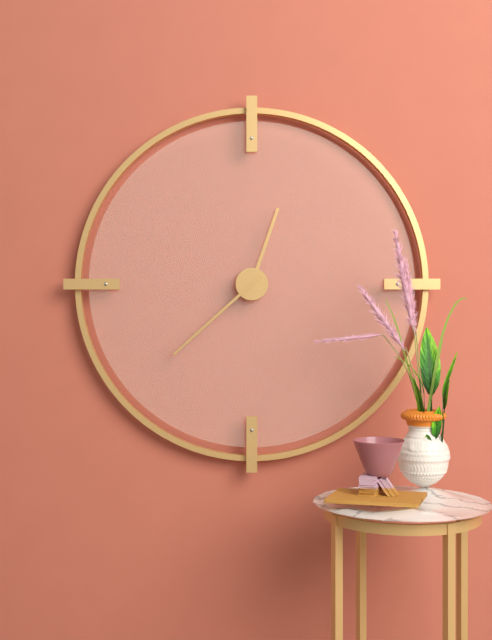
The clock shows 12.38
